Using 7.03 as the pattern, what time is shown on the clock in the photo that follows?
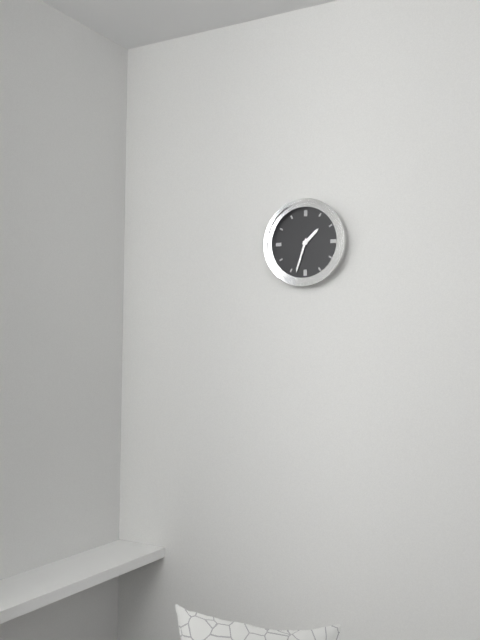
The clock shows 1.33
